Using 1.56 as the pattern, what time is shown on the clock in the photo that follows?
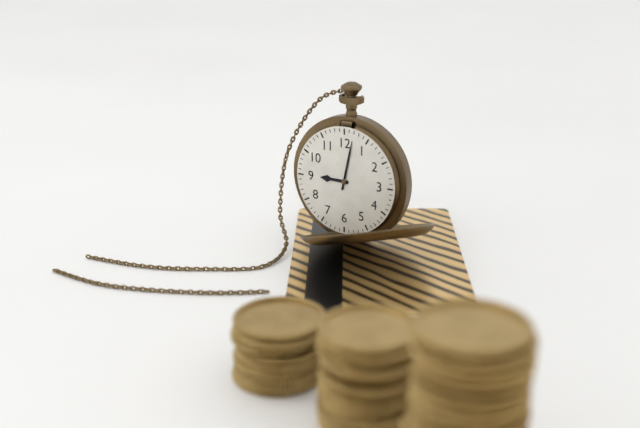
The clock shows 9.02
